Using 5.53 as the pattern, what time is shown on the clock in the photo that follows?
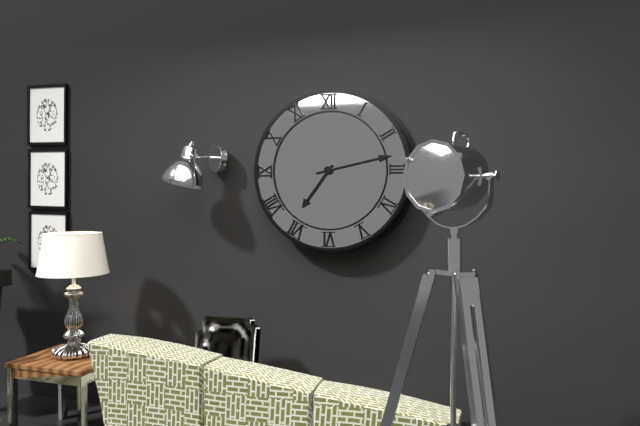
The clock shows 7.13
